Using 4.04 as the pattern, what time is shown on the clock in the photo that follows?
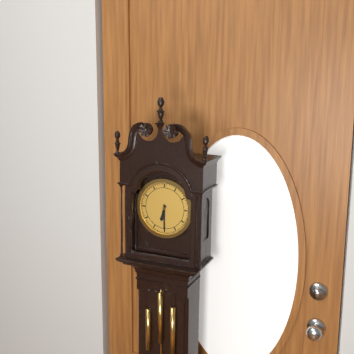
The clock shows 6.30
